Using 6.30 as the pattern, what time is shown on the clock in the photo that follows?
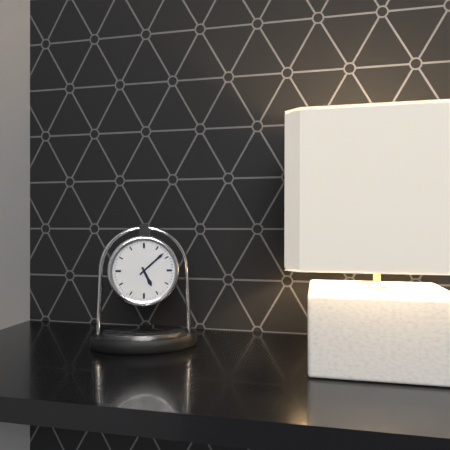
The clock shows 5.08
